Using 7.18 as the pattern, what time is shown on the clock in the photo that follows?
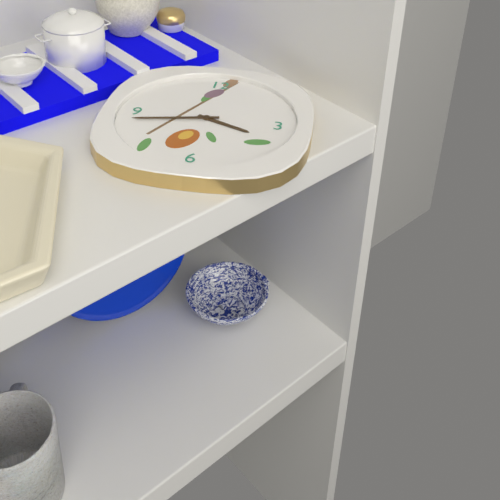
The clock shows 3.43
